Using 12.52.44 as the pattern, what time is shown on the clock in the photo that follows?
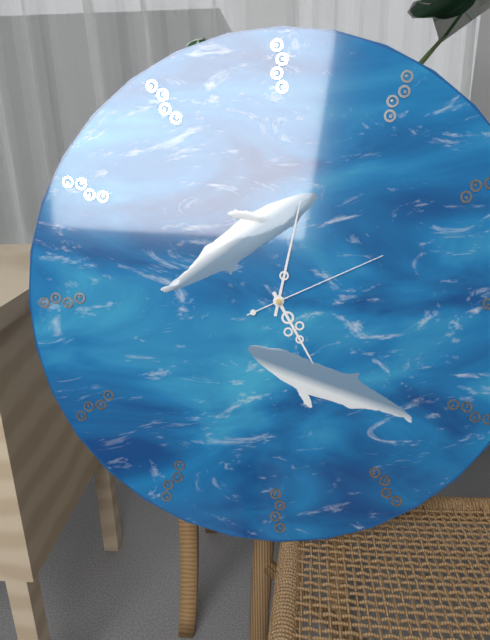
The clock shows 5.02.11
